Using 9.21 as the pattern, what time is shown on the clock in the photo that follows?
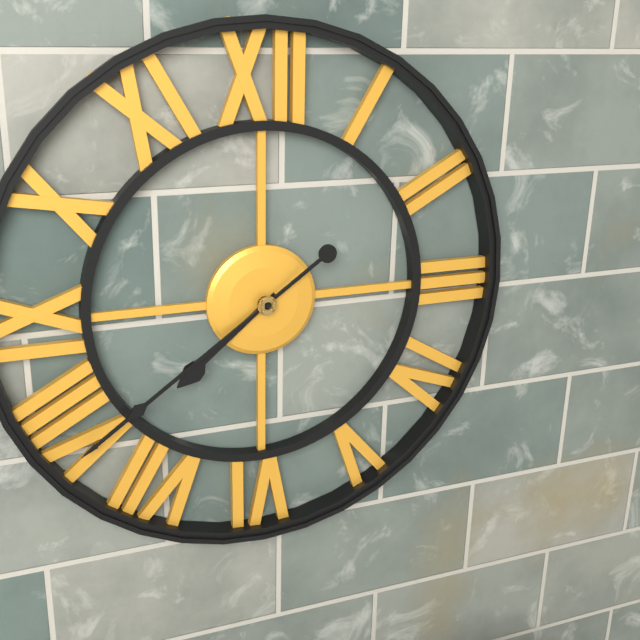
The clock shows 7.39
